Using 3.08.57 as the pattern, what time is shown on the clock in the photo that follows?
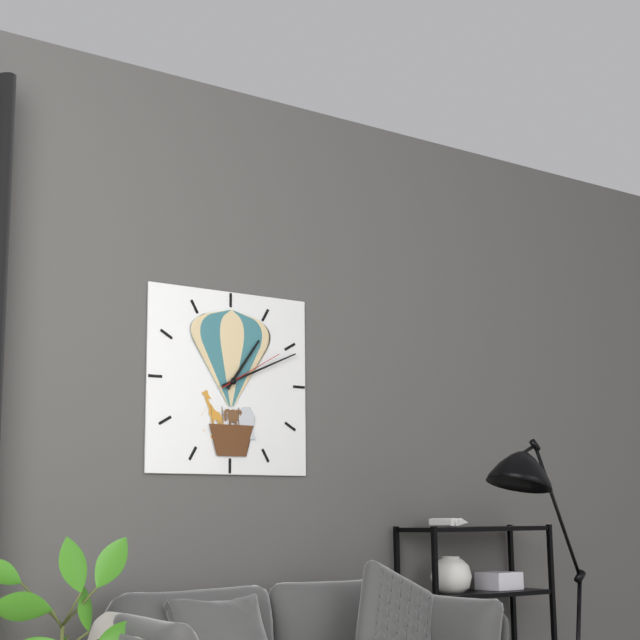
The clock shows 1.11.10
